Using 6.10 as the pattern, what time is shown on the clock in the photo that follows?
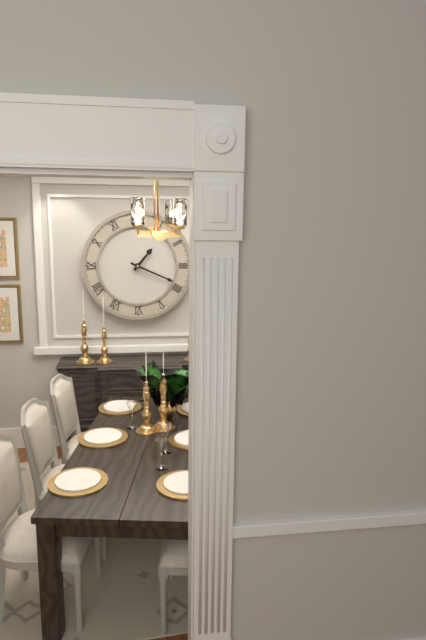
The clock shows 1.19
